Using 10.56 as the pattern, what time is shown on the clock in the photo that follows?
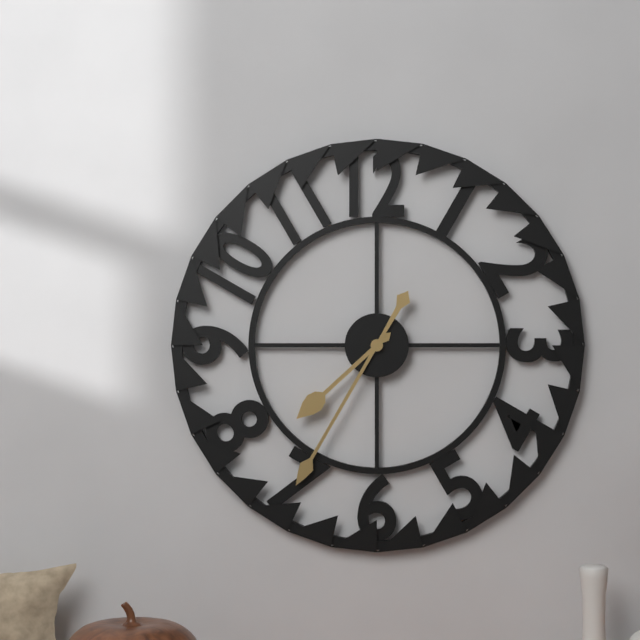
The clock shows 7.35
